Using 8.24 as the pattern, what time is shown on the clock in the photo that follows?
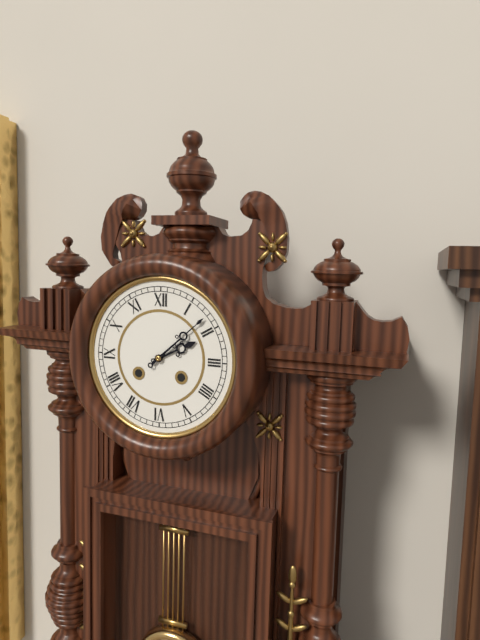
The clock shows 2.08
